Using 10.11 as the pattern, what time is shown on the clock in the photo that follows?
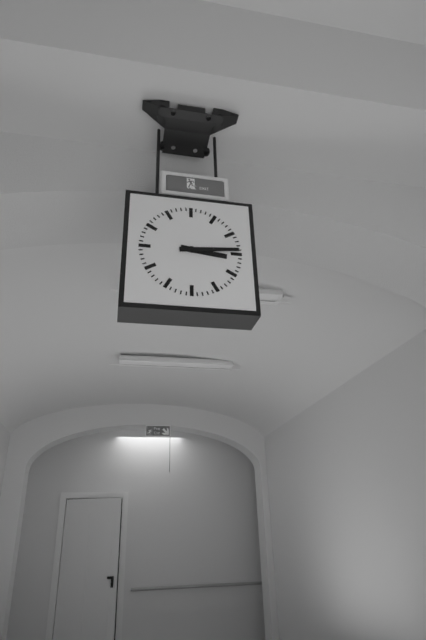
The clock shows 3.14
